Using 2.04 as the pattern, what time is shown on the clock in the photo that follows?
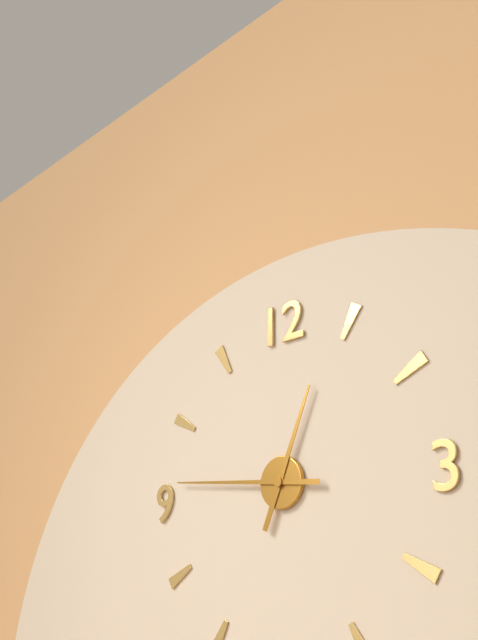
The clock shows 12.46
